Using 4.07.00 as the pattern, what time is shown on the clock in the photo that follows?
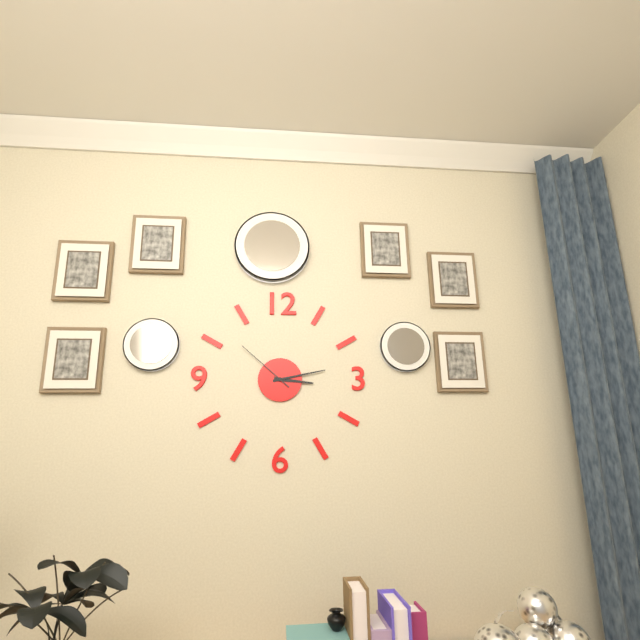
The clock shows 3.13.52
